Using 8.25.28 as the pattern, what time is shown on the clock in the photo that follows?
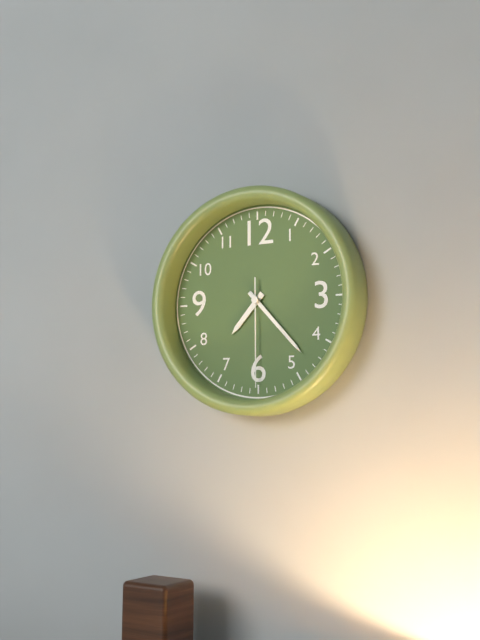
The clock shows 7.23.30
